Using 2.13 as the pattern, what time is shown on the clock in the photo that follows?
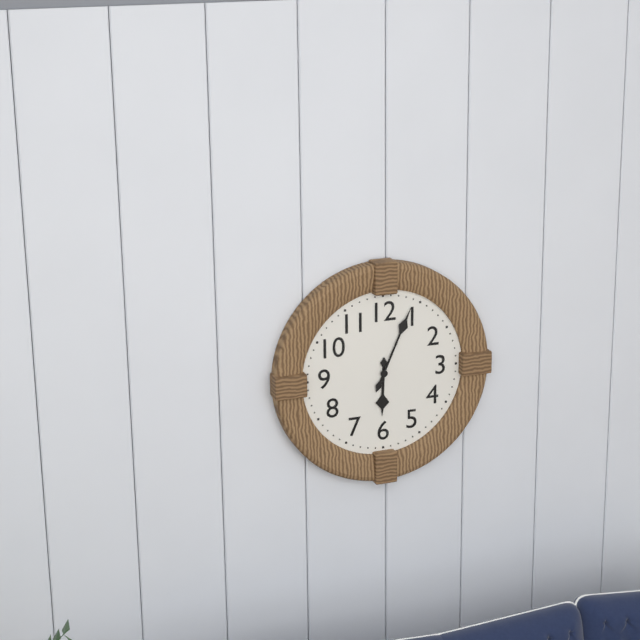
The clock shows 6.04
